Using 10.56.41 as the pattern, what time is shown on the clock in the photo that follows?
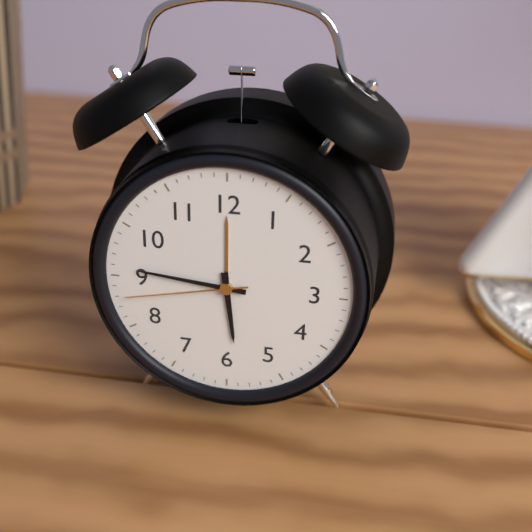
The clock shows 5.46.43
